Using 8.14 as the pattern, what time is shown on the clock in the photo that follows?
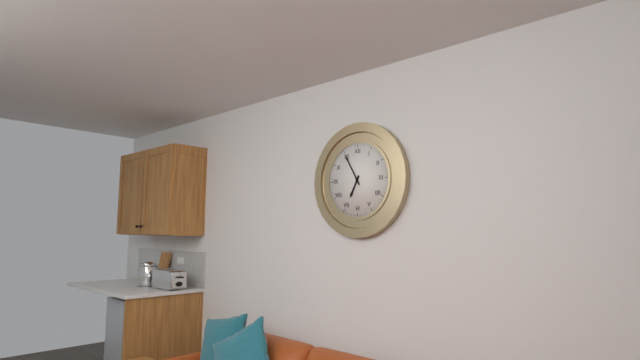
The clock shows 6.55
